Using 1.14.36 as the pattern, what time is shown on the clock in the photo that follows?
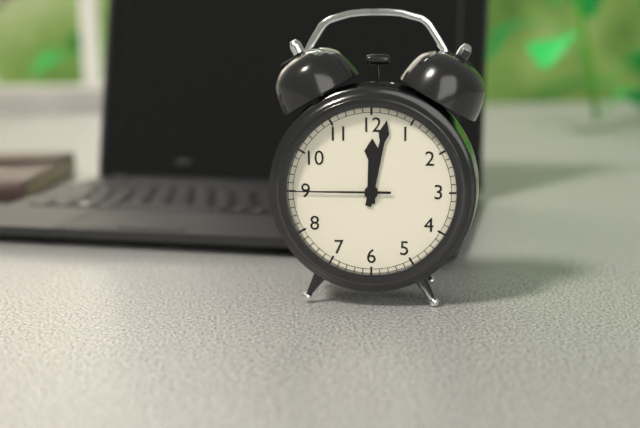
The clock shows 12.02.45
